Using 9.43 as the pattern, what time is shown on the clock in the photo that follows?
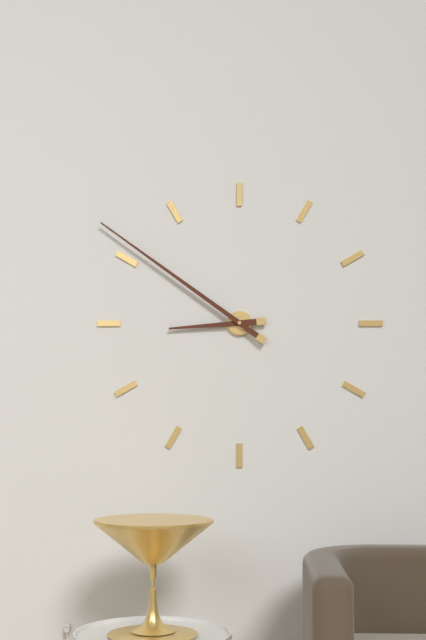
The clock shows 8.51
